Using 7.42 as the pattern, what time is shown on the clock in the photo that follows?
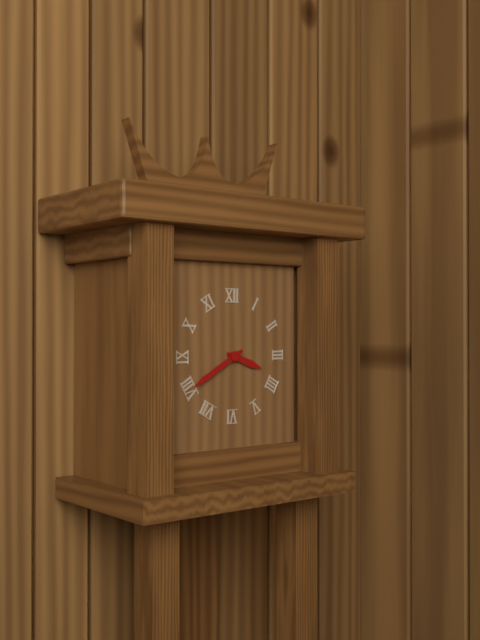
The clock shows 3.40
